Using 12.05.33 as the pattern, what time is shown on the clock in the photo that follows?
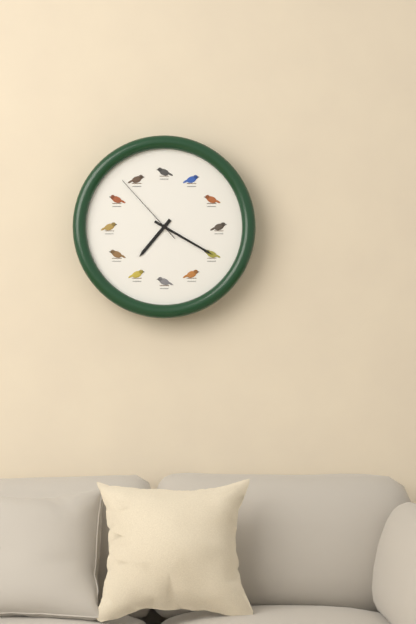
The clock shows 7.20.53
